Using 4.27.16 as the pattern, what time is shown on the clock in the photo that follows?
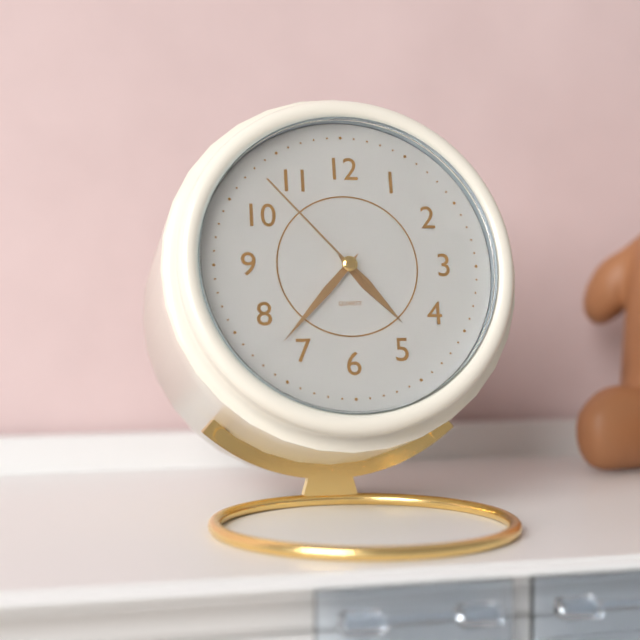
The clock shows 4.37.53
